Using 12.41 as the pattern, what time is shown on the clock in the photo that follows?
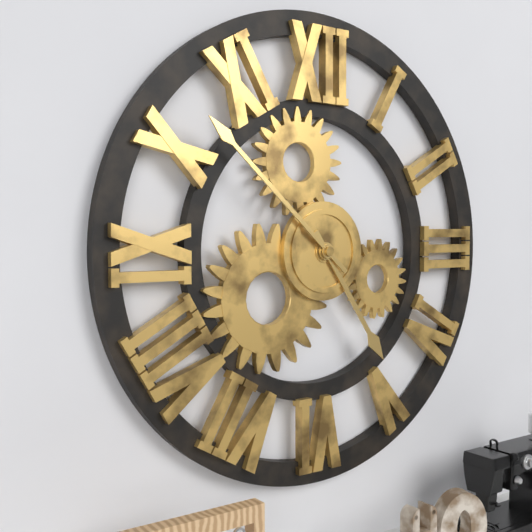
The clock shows 4.52
